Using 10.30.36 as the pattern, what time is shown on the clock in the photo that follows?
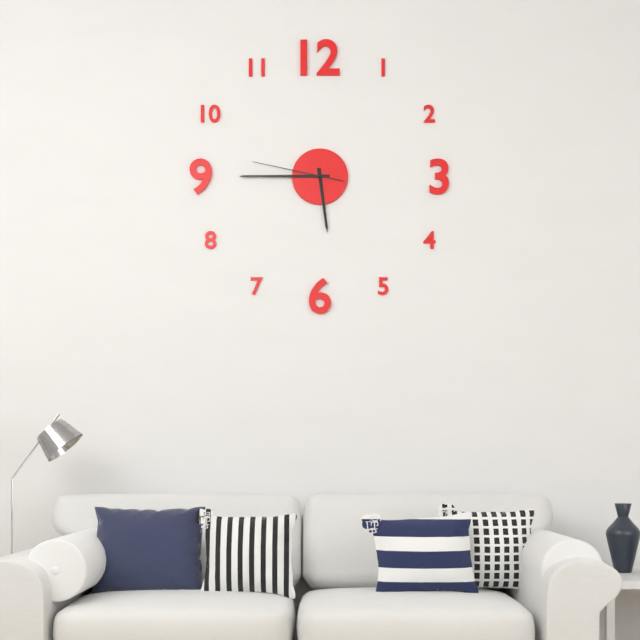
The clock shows 5.45.47
